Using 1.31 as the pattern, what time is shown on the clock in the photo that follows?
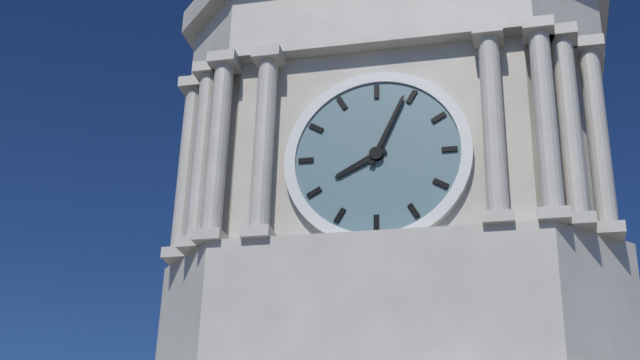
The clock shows 8.04
